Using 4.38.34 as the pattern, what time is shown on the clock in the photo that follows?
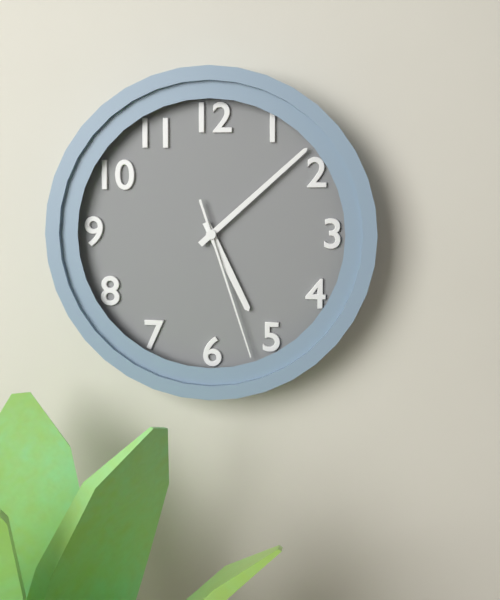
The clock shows 5.08.27
